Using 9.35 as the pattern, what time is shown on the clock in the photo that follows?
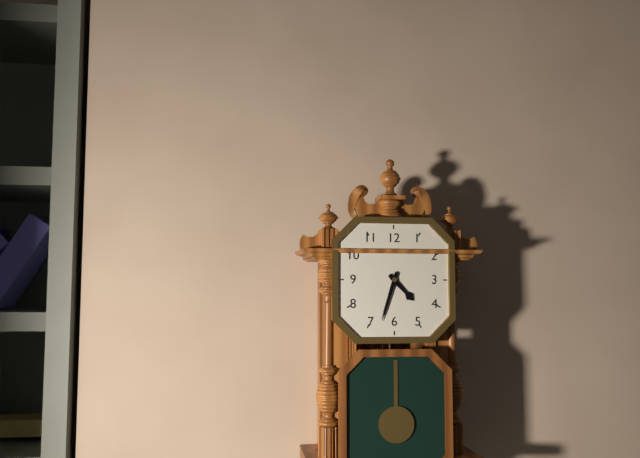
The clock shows 4.33
